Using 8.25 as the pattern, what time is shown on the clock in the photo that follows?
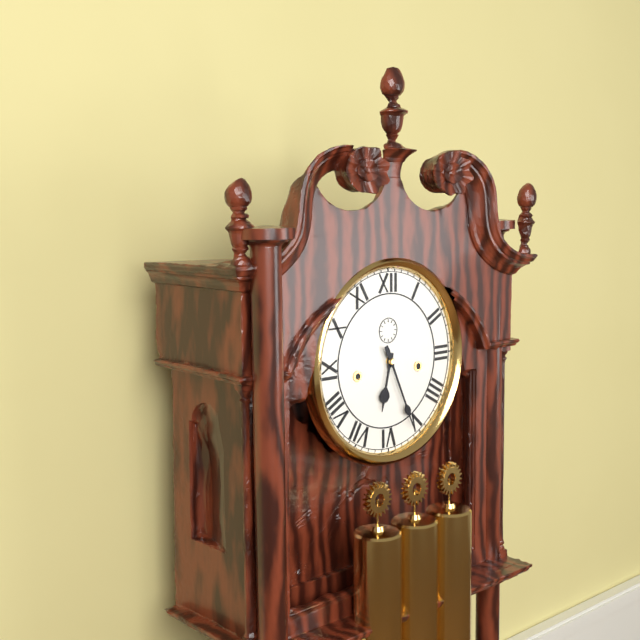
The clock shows 6.26
